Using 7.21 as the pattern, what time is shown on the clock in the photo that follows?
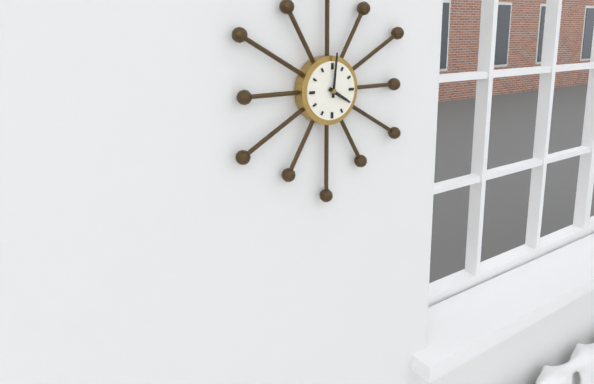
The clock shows 4.01
